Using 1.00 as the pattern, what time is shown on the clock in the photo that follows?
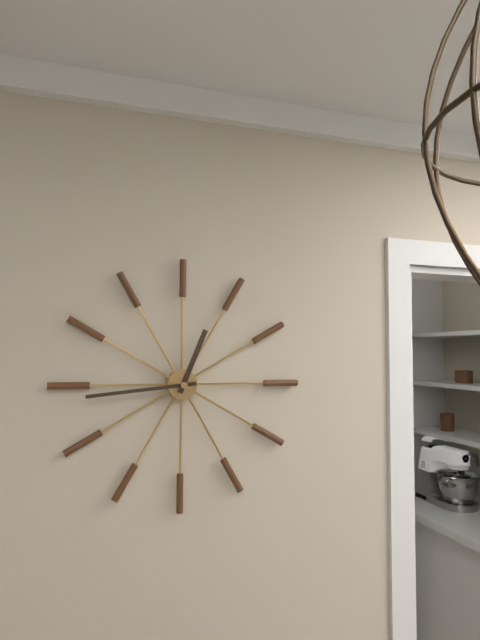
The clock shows 12.44
